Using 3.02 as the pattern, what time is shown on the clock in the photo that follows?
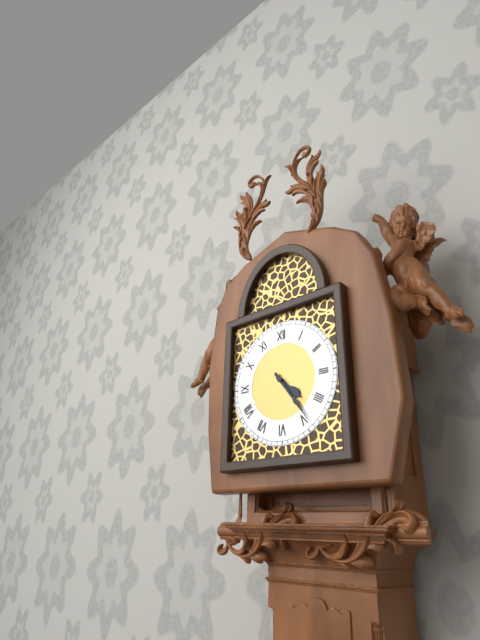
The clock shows 4.24
